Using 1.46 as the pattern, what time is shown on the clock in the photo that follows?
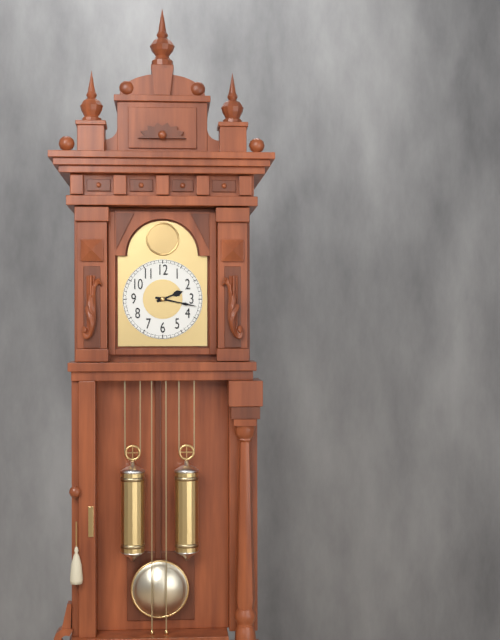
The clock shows 2.17
